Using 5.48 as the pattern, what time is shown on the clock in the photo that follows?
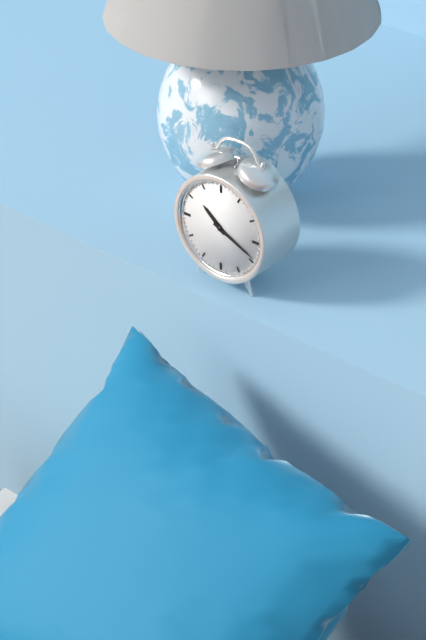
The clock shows 10.19
